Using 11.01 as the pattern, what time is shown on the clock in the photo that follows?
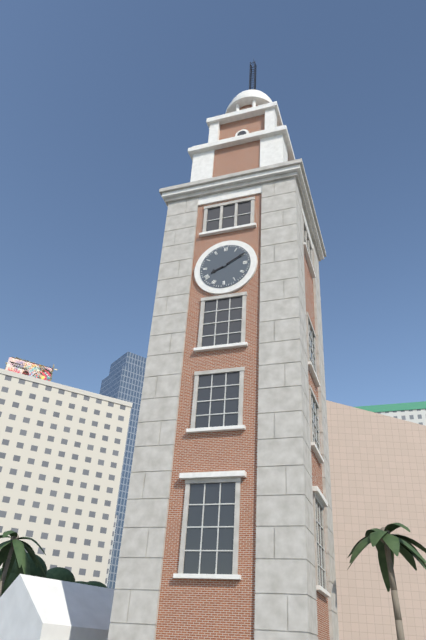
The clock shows 8.10
